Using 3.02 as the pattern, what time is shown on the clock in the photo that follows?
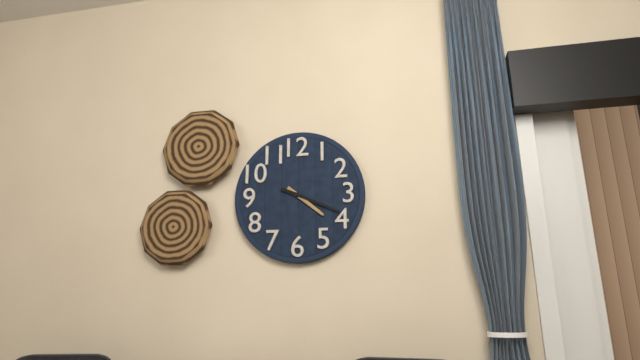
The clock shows 4.19
